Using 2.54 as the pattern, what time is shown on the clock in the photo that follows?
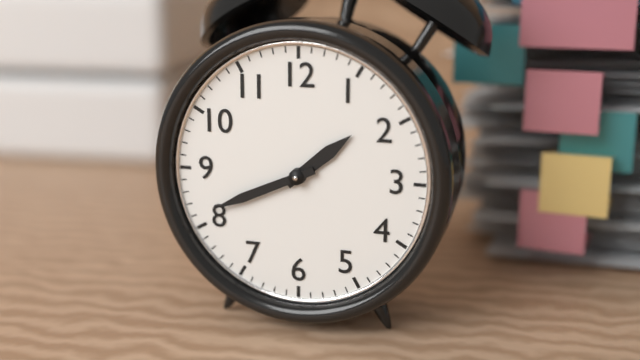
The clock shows 1.41
